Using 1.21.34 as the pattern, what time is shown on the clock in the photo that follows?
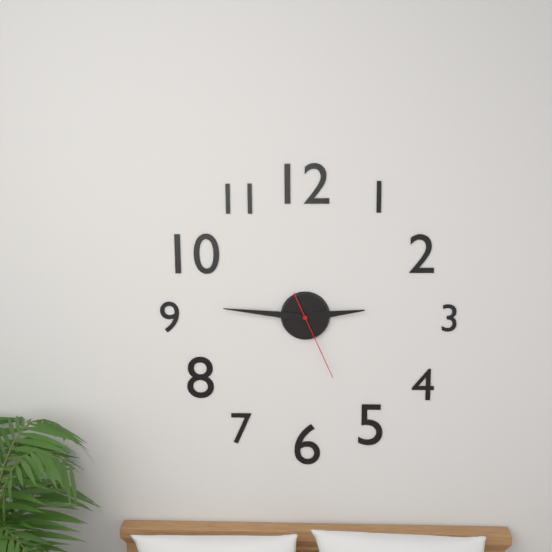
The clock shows 2.46.26
